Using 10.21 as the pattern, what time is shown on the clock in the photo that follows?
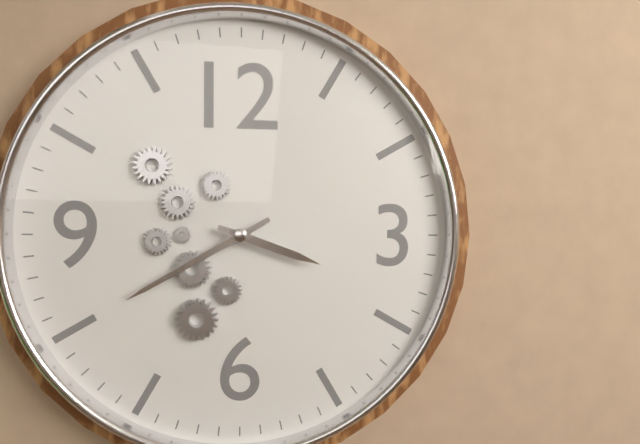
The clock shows 3.40
